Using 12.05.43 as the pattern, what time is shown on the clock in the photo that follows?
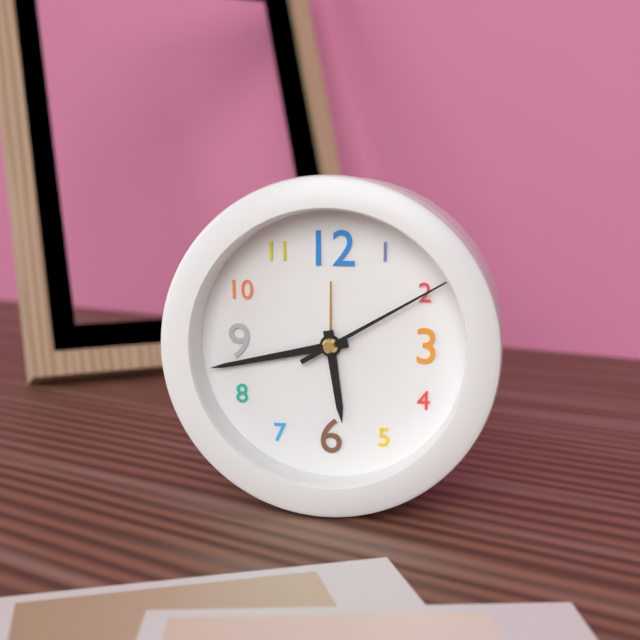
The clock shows 5.43.10
